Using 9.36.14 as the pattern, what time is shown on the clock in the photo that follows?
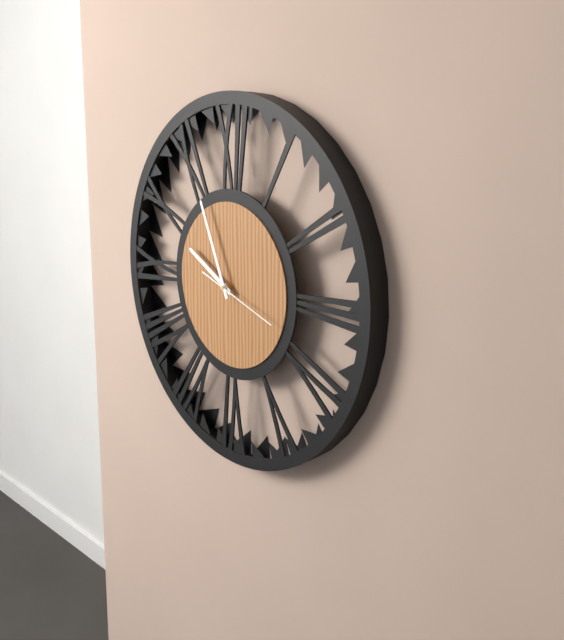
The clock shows 9.56.18
